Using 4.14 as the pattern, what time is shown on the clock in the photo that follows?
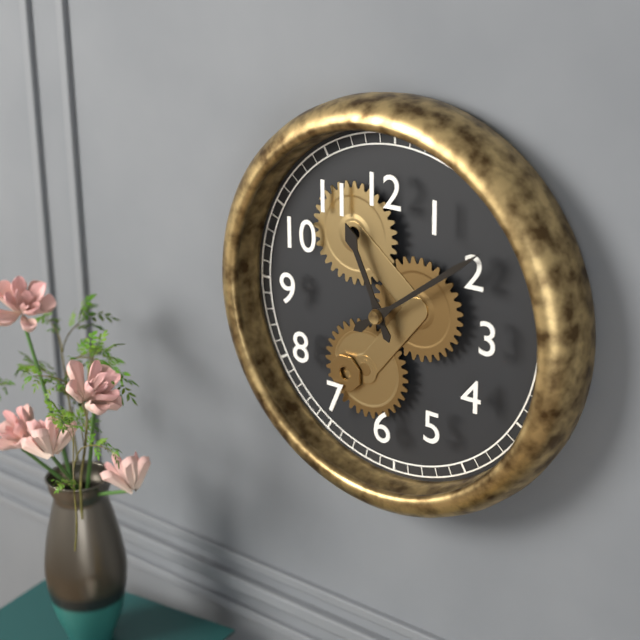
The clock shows 11.09
